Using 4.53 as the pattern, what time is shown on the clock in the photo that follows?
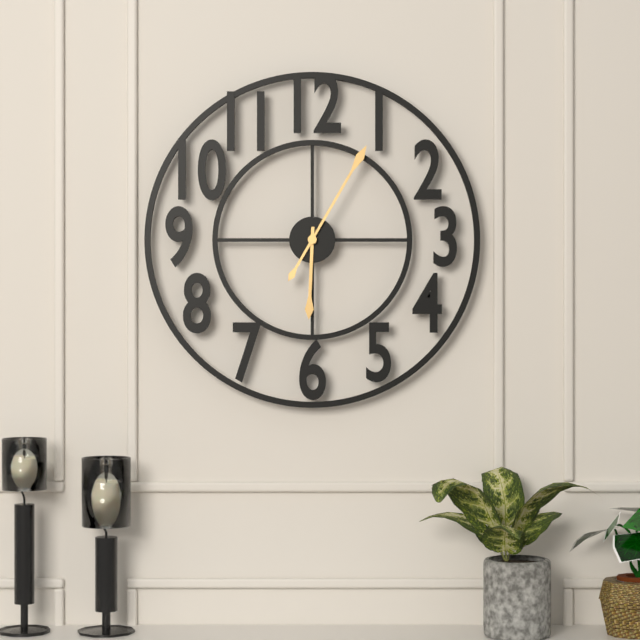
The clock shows 6.05
